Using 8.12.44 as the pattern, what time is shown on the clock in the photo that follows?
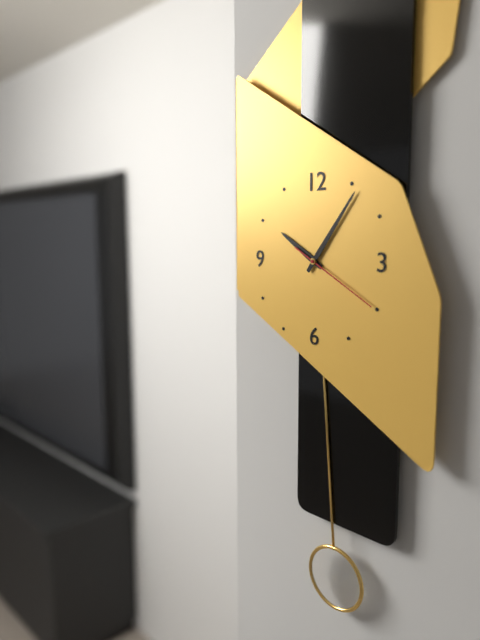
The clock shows 10.06.20
